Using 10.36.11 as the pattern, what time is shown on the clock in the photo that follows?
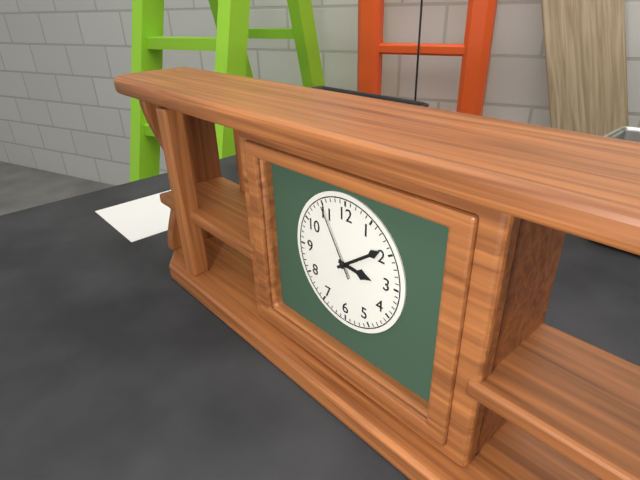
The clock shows 3.09.55
